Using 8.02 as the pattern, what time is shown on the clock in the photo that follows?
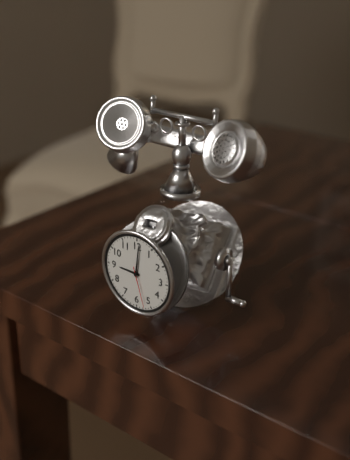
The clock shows 9.01
